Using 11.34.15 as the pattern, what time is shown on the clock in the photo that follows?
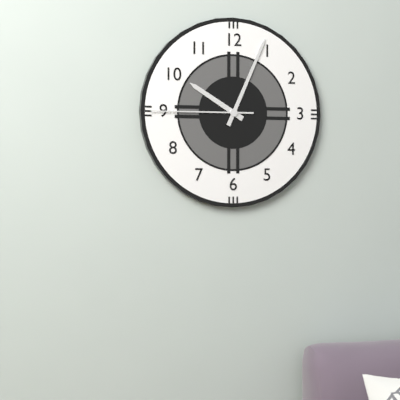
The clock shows 10.04.45
